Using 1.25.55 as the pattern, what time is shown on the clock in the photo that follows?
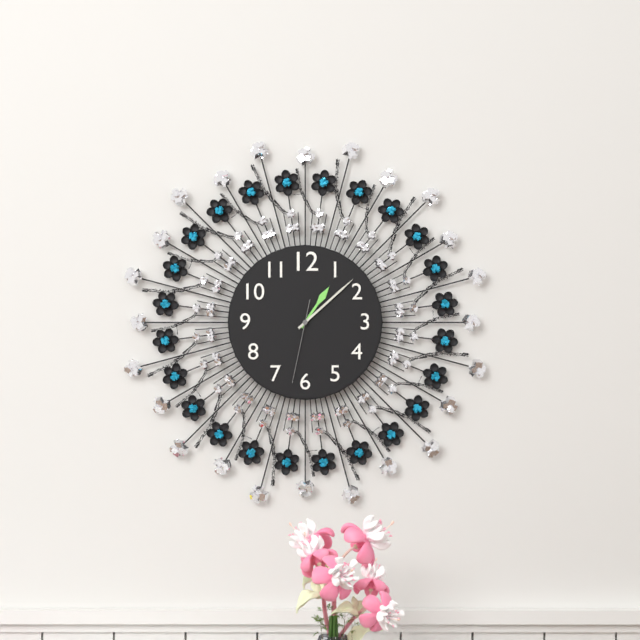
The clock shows 1.08.32
